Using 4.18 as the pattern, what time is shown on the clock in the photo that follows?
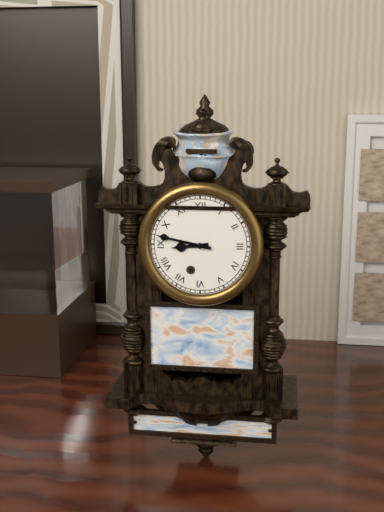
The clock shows 8.47
